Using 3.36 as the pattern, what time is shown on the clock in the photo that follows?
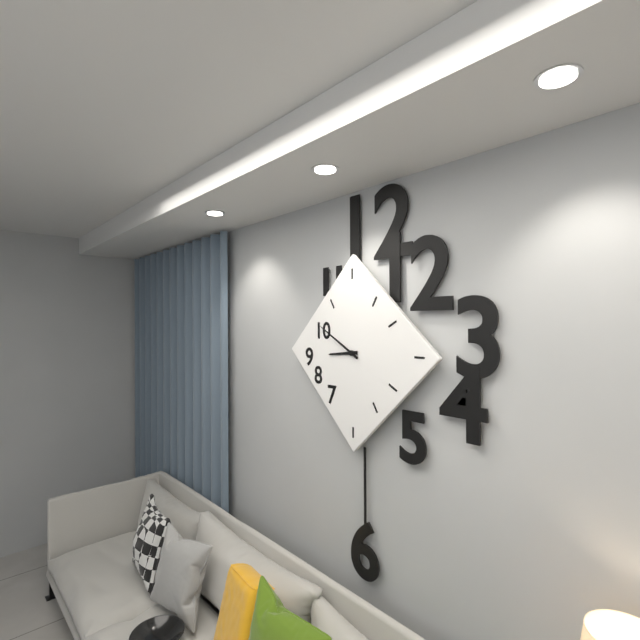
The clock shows 8.50
